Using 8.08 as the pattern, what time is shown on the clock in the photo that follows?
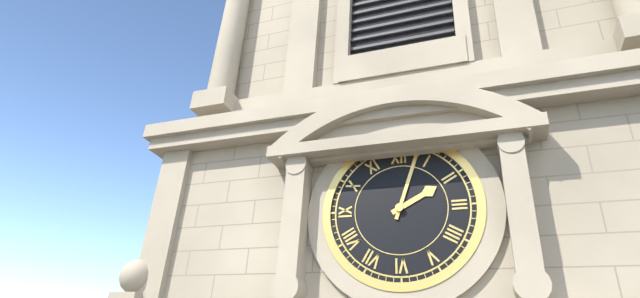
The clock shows 2.03
